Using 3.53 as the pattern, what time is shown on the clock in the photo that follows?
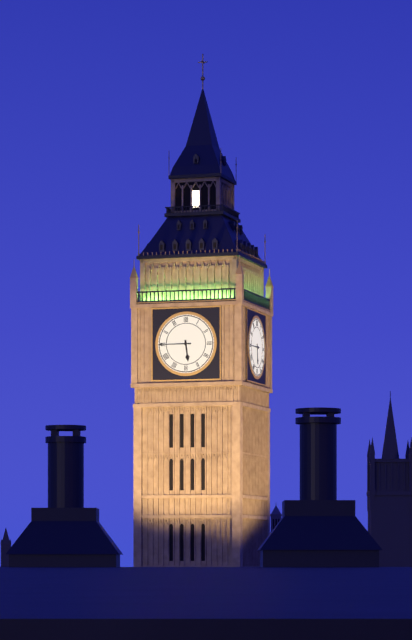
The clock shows 5.45
